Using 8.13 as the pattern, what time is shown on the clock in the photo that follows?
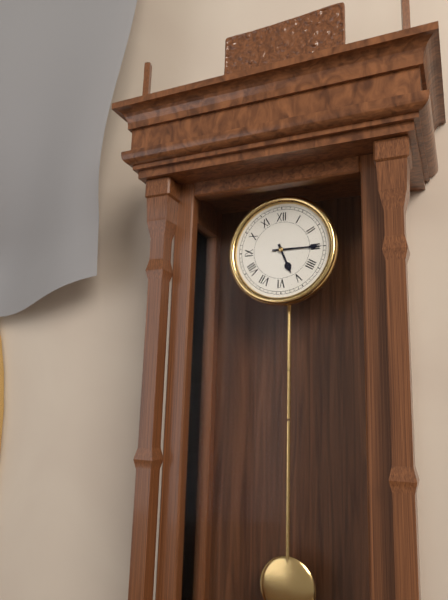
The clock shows 5.15
